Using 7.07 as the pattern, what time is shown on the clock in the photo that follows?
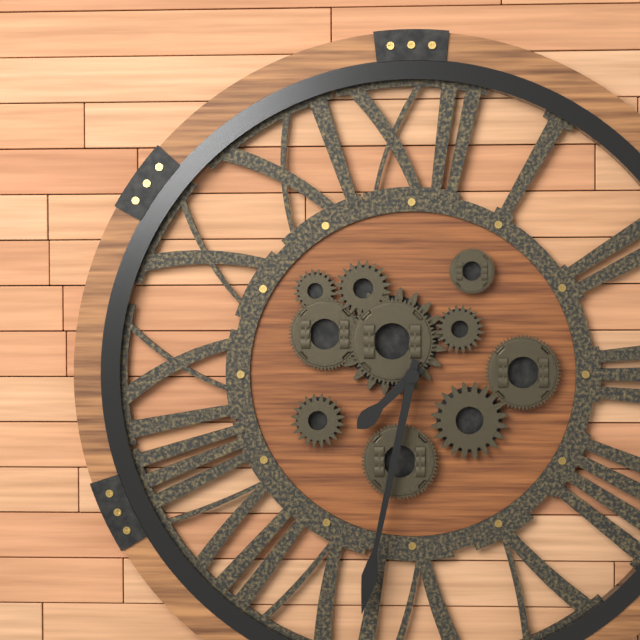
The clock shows 7.32
